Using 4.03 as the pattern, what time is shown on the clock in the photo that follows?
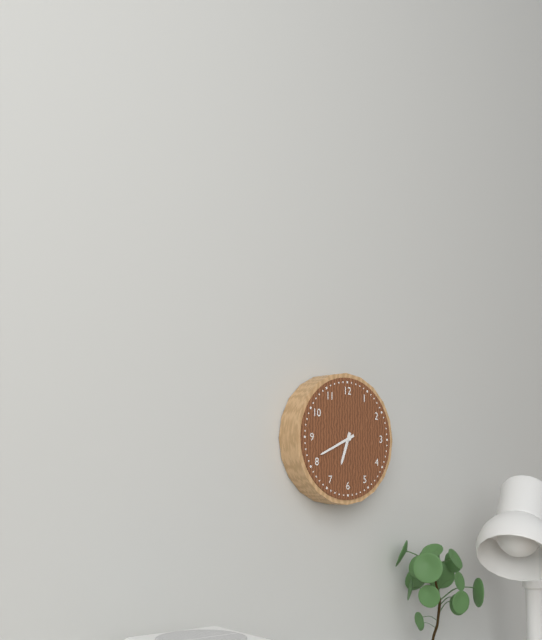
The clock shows 6.41
